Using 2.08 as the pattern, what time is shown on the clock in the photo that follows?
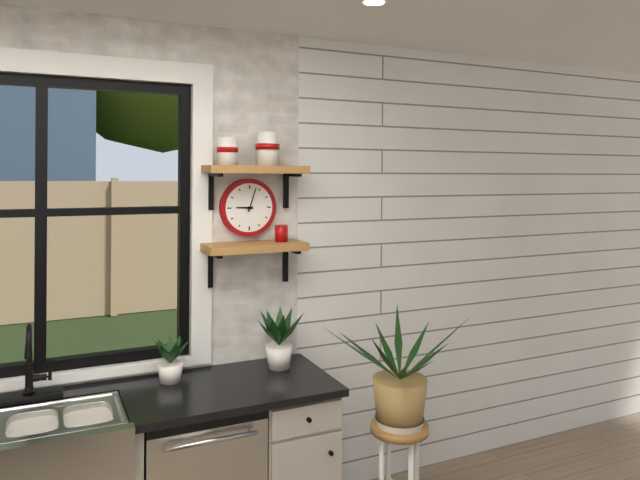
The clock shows 9.03
